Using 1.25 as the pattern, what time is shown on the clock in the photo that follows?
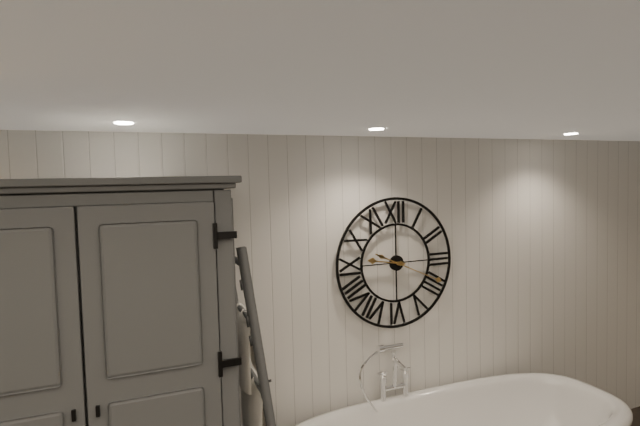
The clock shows 9.19
